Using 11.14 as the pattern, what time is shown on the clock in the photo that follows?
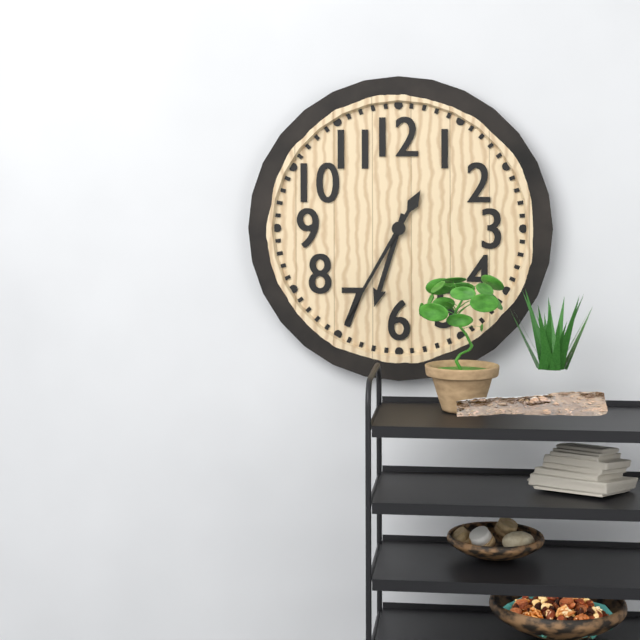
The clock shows 6.35
